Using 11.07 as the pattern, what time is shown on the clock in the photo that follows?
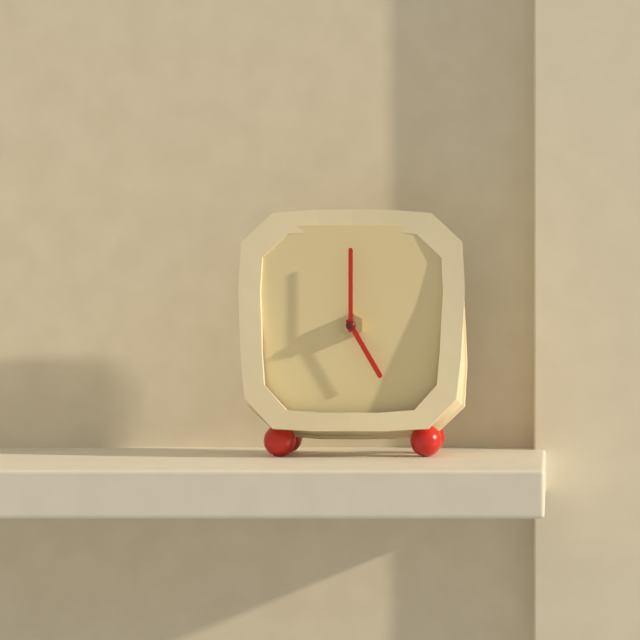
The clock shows 5.00
